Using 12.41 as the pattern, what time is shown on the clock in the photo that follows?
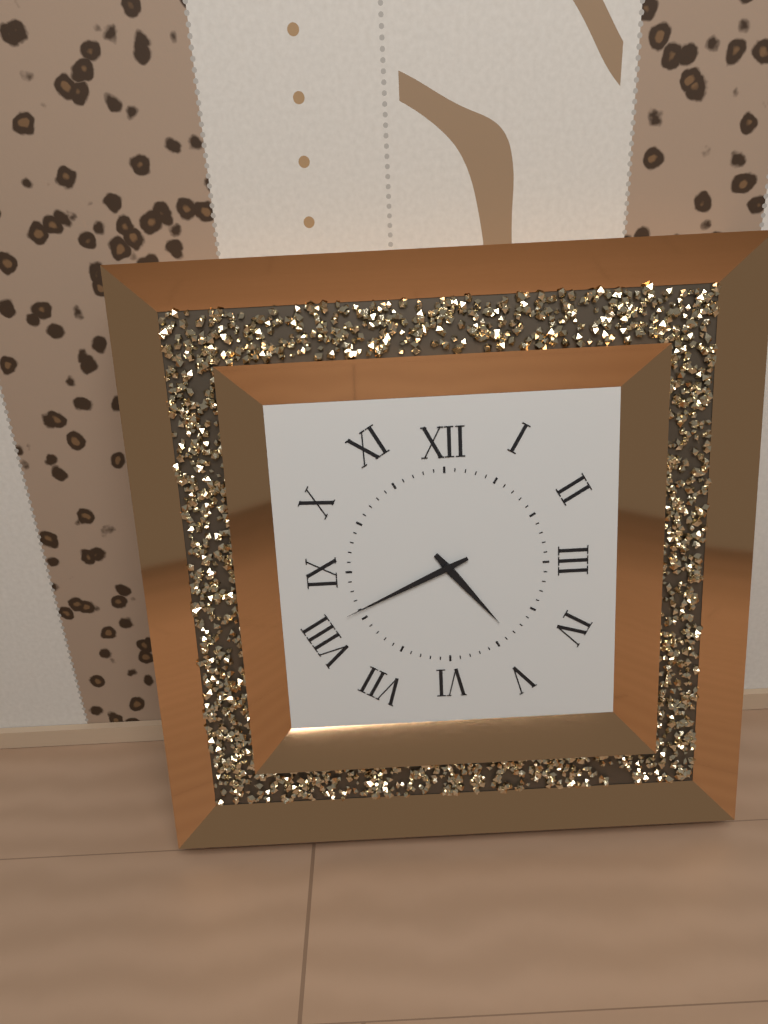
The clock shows 4.41
